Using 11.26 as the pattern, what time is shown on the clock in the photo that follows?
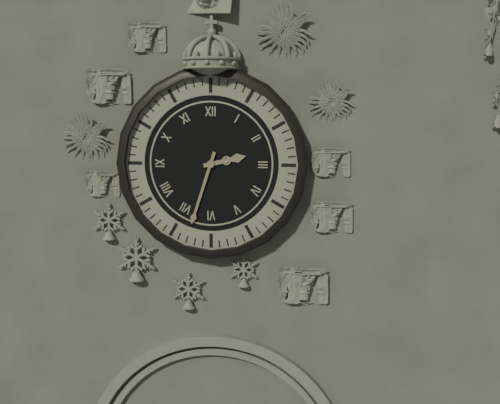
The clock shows 2.33
